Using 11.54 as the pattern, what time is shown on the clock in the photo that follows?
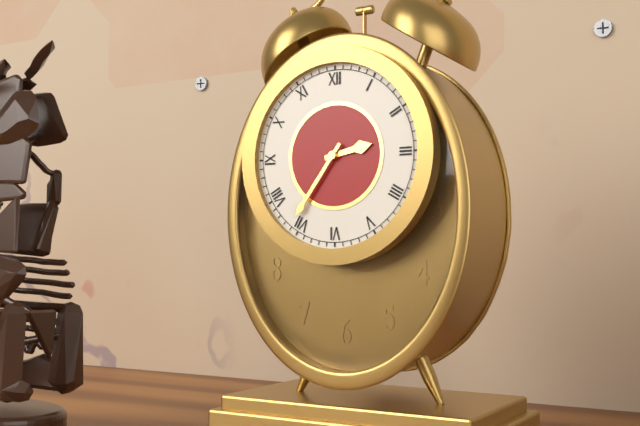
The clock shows 2.36
